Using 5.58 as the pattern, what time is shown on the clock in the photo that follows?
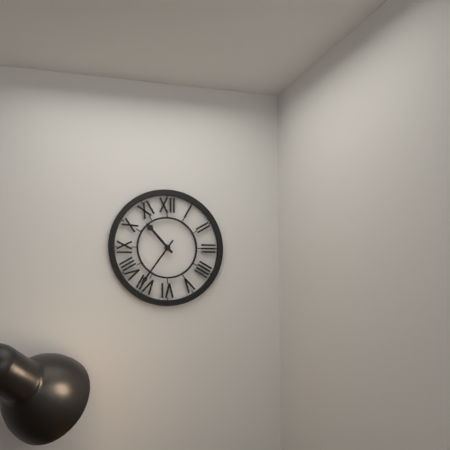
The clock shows 10.36
